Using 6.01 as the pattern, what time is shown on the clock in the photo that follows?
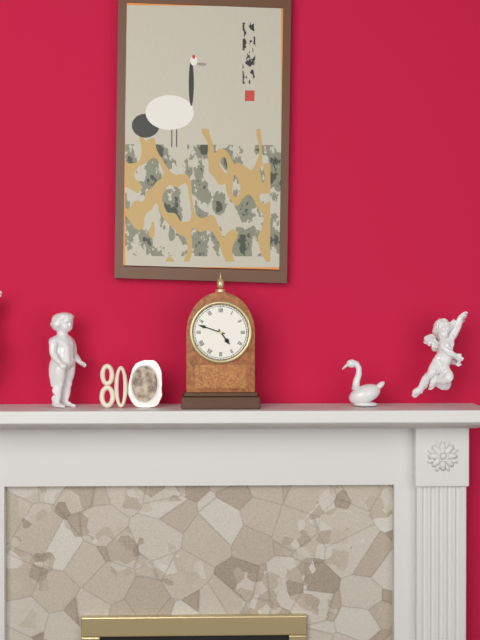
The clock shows 4.48
